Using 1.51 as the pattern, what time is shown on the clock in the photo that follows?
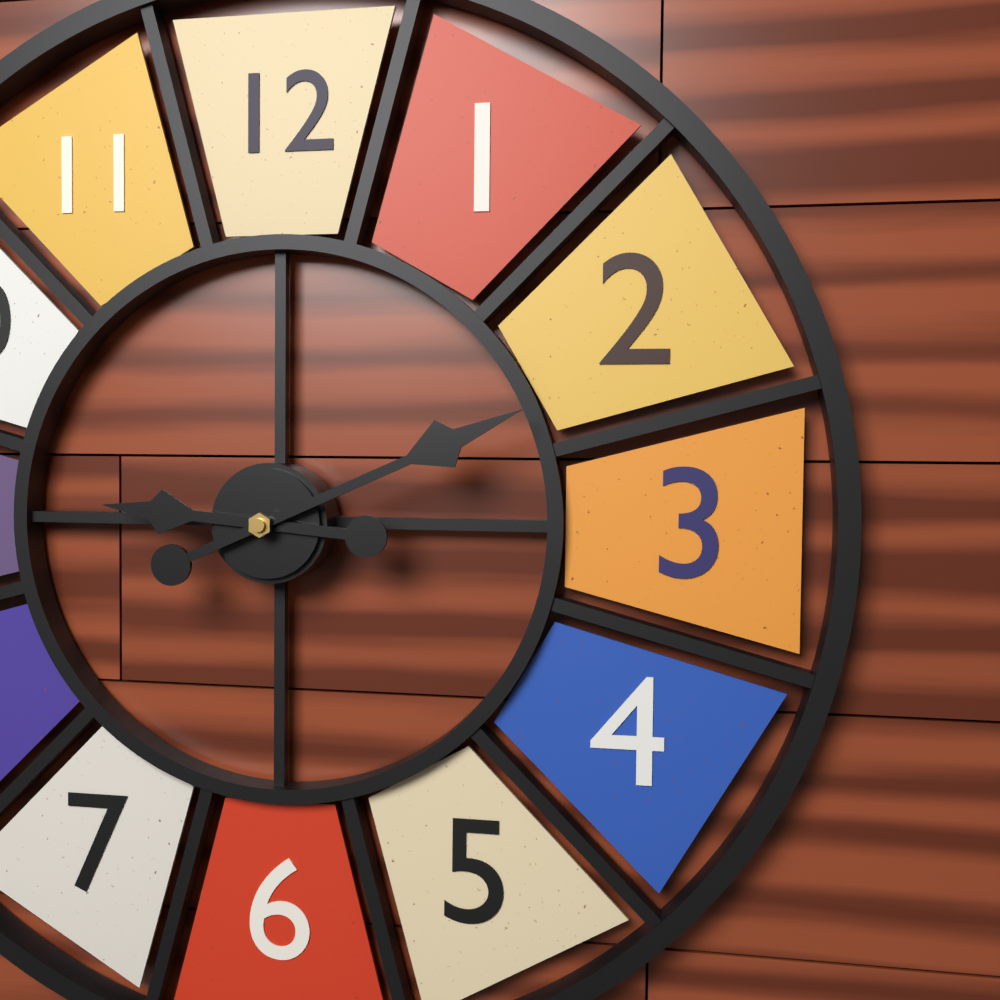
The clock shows 9.11
